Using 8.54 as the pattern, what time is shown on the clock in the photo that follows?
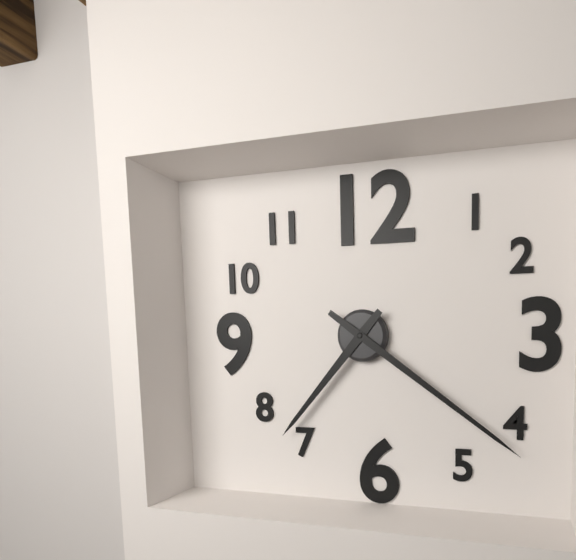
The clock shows 7.21
